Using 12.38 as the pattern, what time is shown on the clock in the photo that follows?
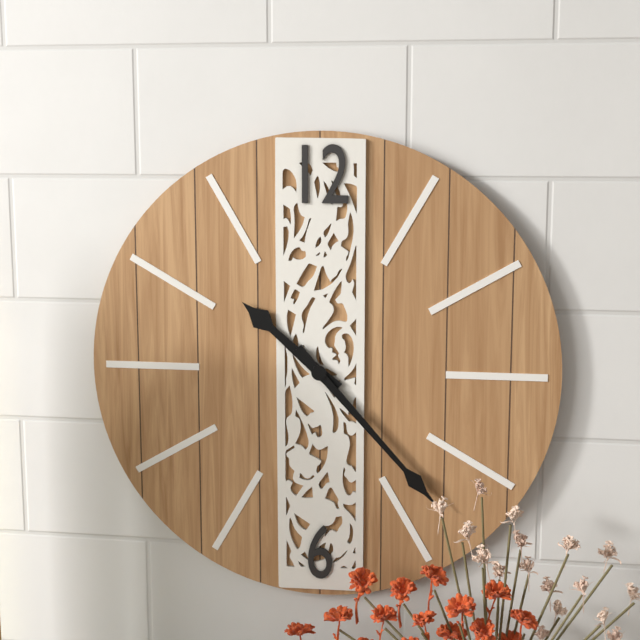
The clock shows 10.23
